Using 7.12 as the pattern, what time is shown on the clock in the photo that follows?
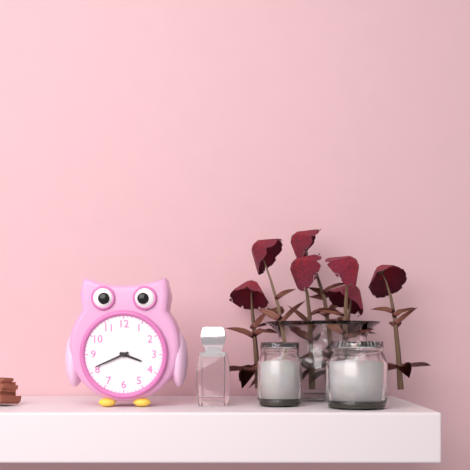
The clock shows 3.41
